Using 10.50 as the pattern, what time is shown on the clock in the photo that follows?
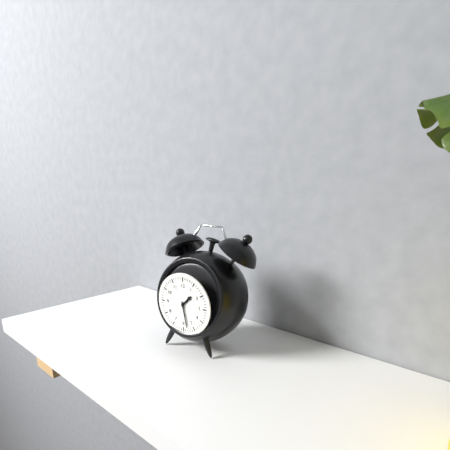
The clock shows 1.28
